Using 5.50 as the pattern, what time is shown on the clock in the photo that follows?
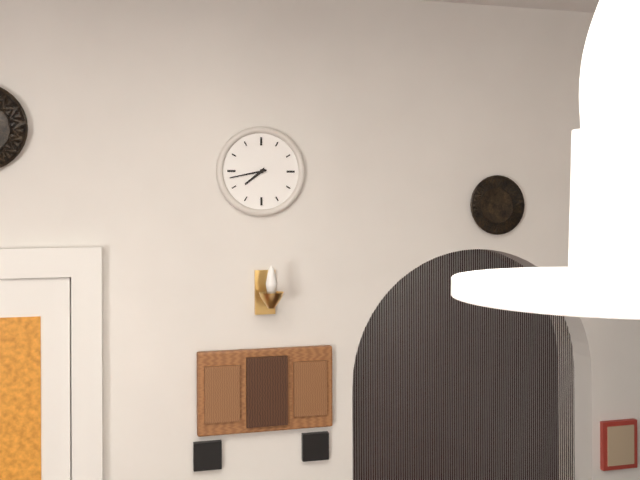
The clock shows 7.43
